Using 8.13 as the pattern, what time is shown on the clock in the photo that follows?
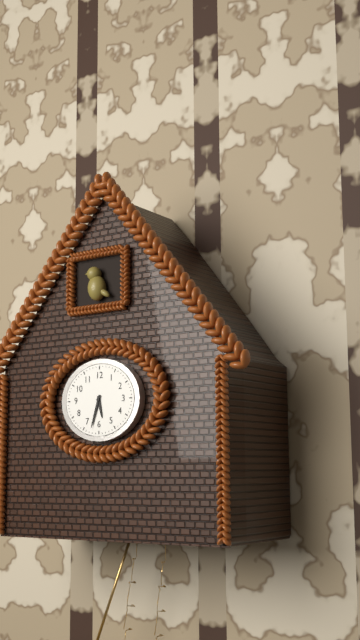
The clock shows 5.33
